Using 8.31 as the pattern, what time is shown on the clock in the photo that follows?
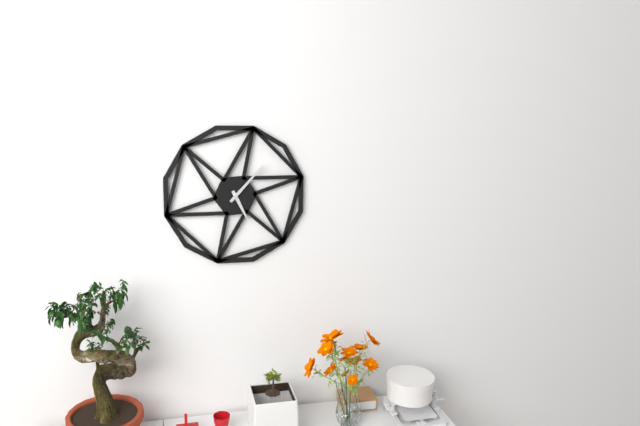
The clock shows 5.07
